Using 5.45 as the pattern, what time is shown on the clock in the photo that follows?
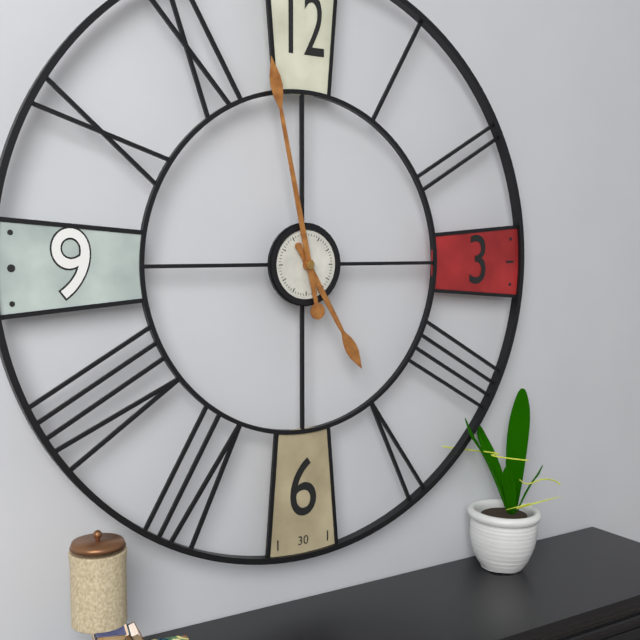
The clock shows 4.58
